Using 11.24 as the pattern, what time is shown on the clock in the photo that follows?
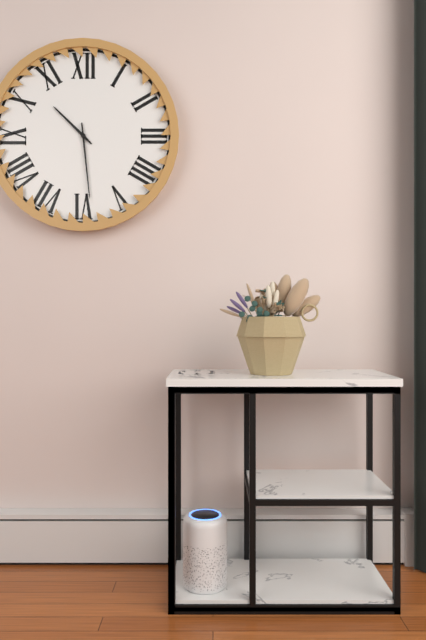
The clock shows 10.29
